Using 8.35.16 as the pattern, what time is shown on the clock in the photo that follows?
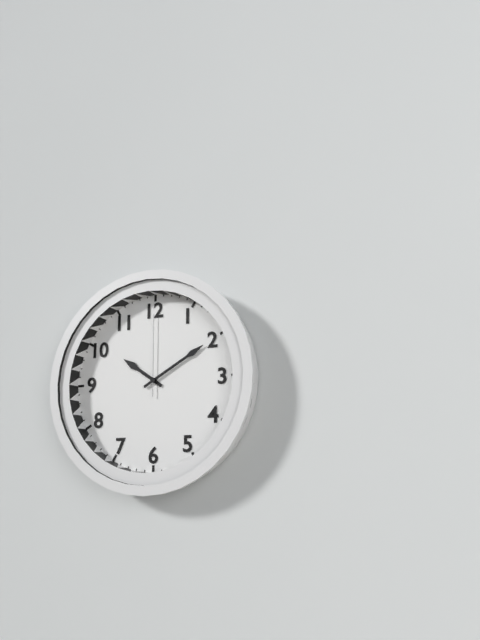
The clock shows 10.10.00
